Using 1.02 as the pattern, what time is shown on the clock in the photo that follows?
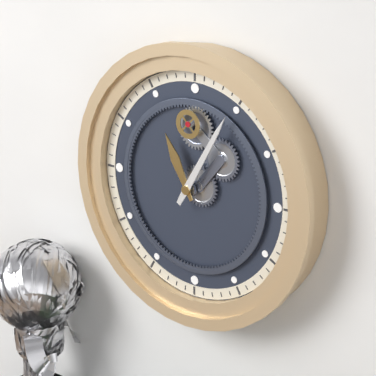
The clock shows 11.05
